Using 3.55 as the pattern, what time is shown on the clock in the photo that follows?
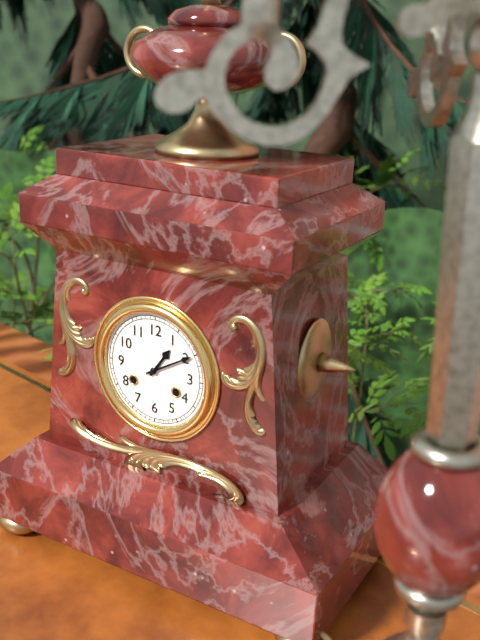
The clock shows 1.10
